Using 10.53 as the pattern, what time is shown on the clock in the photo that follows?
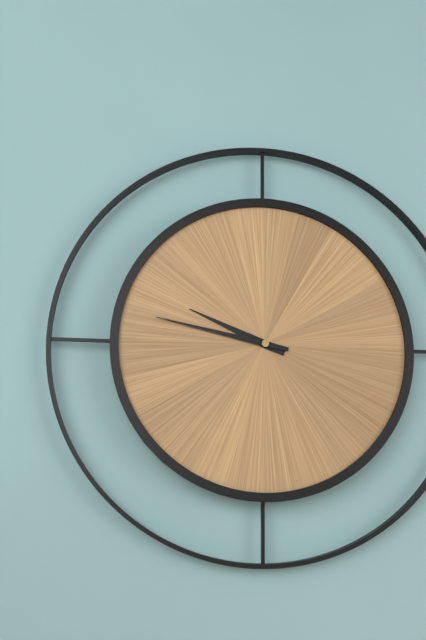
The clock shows 9.47
